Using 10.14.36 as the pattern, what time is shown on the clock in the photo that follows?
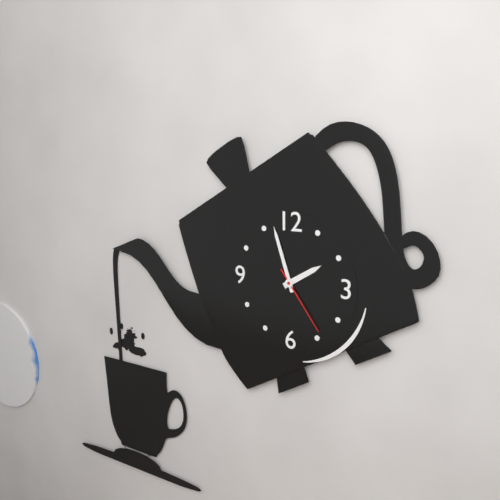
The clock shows 1.57.24
